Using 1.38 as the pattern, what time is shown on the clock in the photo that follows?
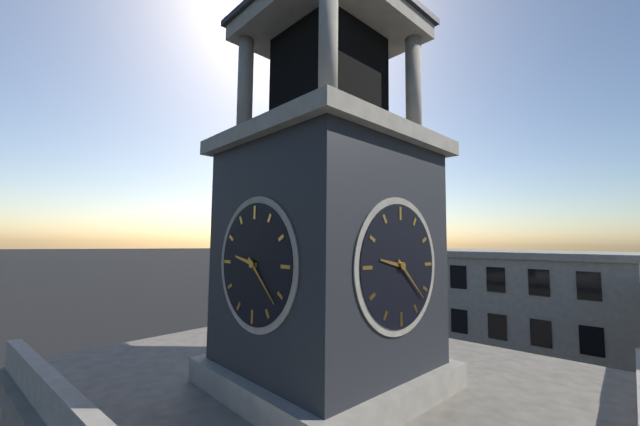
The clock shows 9.22
